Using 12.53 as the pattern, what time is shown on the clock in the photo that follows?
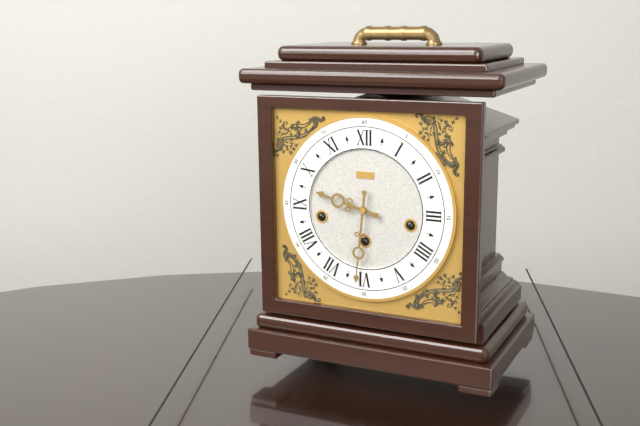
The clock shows 9.31
